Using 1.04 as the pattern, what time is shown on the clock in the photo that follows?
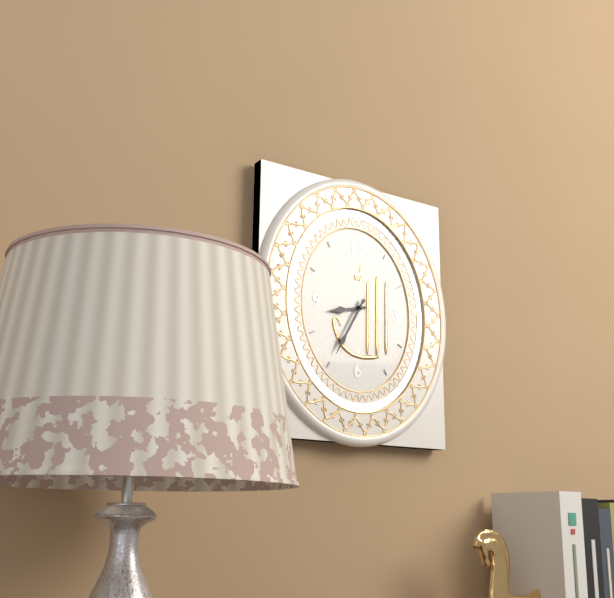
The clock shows 8.35
